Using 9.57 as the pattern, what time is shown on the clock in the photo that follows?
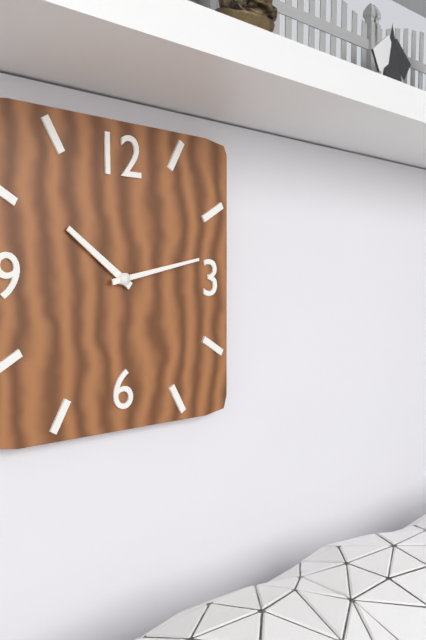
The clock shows 10.13
